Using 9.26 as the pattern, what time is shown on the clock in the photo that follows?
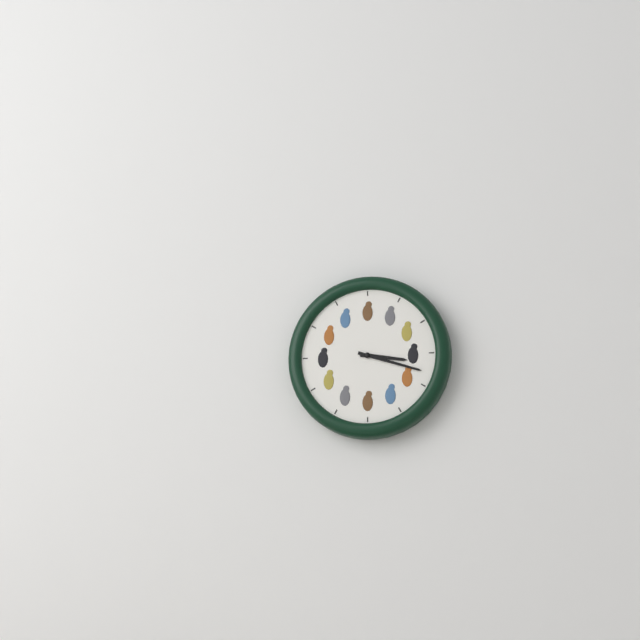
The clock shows 3.18
